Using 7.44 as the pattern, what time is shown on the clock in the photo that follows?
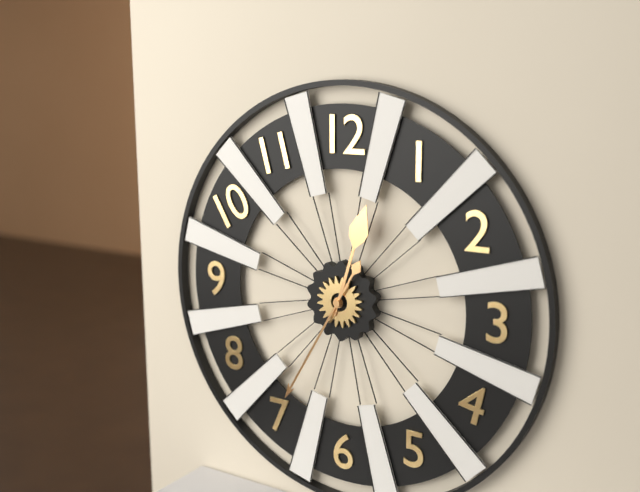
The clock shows 12.35
